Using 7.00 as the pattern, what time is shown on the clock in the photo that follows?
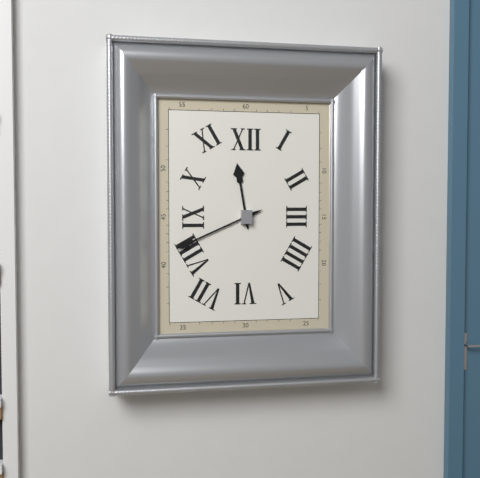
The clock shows 11.41
